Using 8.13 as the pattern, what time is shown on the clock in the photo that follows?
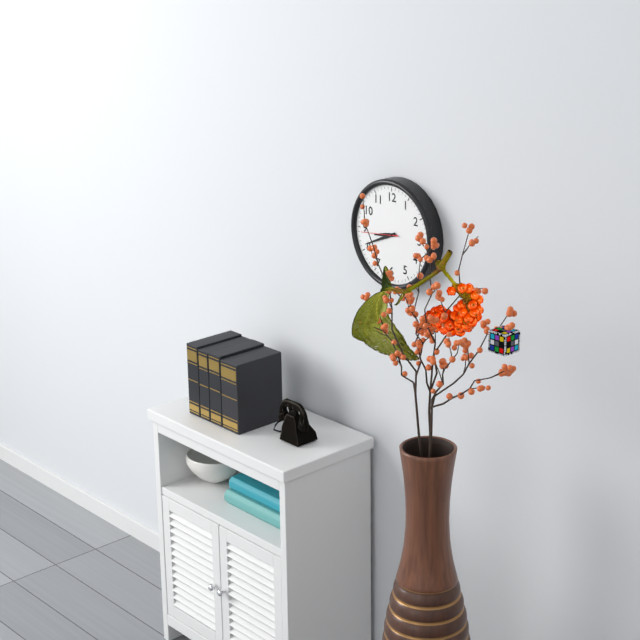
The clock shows 8.41
